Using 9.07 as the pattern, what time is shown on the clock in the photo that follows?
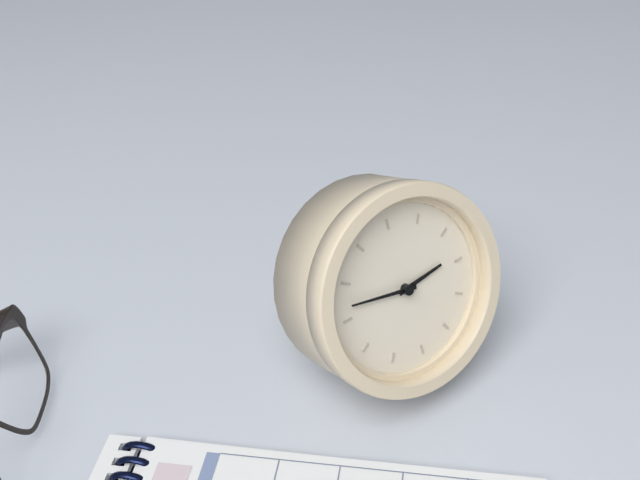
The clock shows 2.47
